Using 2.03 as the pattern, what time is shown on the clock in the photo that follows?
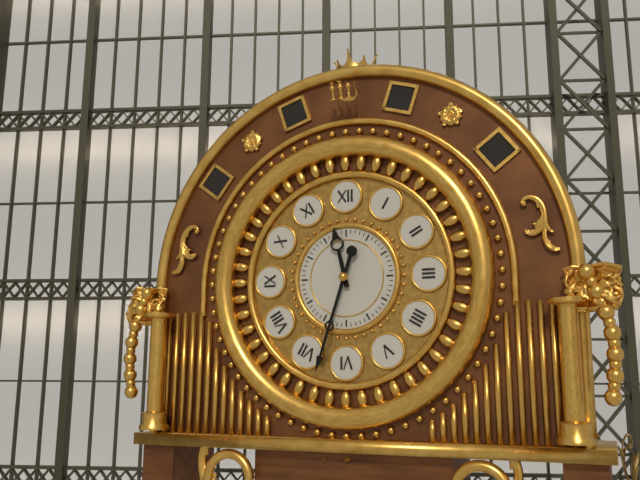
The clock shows 11.33
